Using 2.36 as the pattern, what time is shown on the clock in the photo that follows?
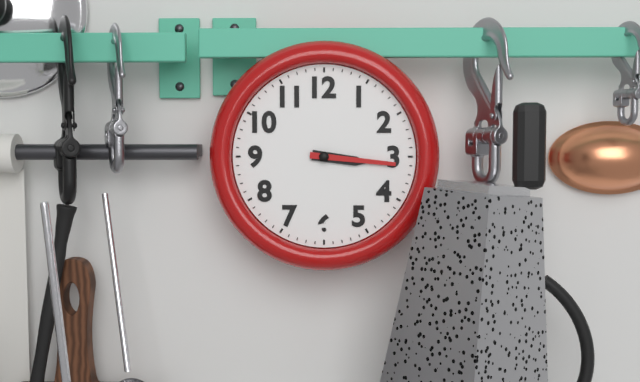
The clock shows 3.16
